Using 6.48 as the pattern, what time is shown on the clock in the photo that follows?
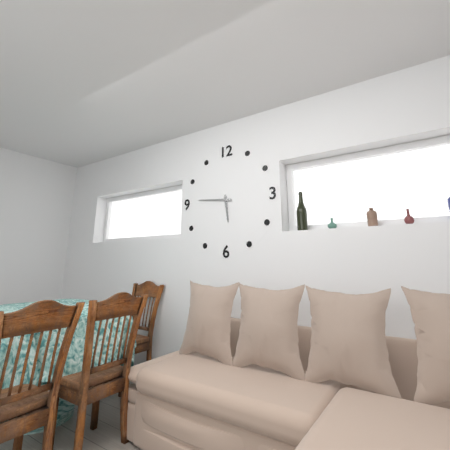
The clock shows 5.46
